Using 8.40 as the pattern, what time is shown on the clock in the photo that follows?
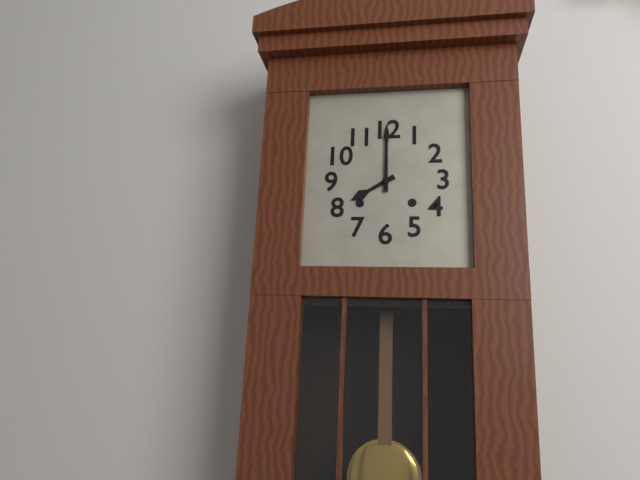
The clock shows 8.00
